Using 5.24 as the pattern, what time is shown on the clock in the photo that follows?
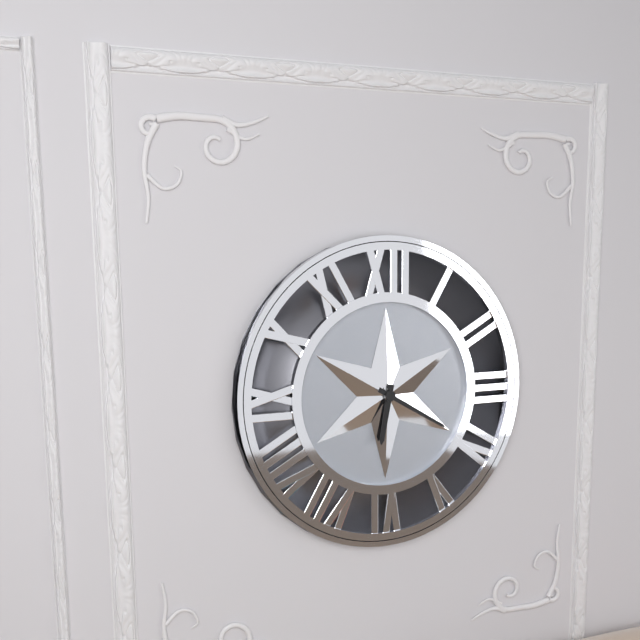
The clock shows 6.20
